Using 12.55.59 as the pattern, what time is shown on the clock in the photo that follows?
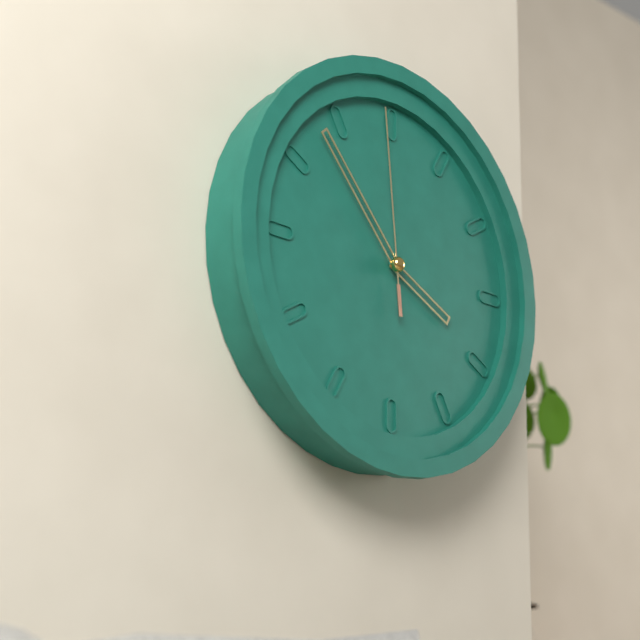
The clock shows 3.53.59
